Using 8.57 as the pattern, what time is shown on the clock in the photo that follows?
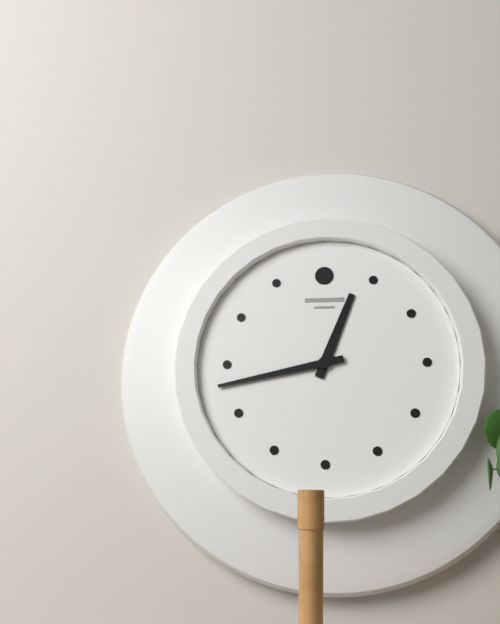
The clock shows 12.43
